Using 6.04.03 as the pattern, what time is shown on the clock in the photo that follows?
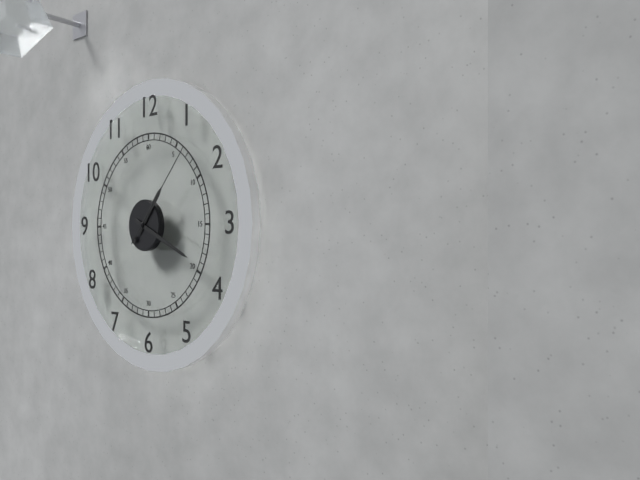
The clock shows 1.19.07
